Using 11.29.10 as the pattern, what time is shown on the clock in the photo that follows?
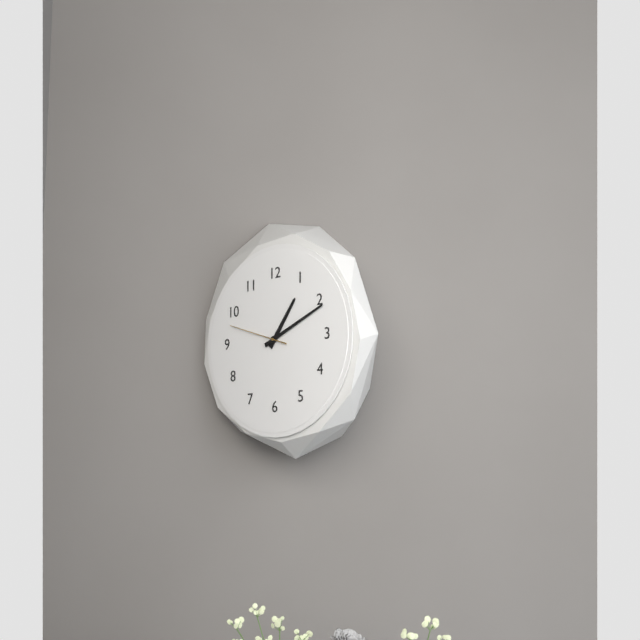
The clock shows 1.11.48
